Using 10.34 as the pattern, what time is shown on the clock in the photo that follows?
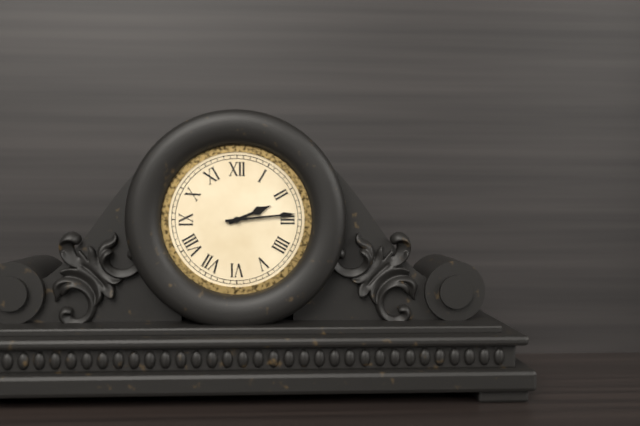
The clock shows 2.14
